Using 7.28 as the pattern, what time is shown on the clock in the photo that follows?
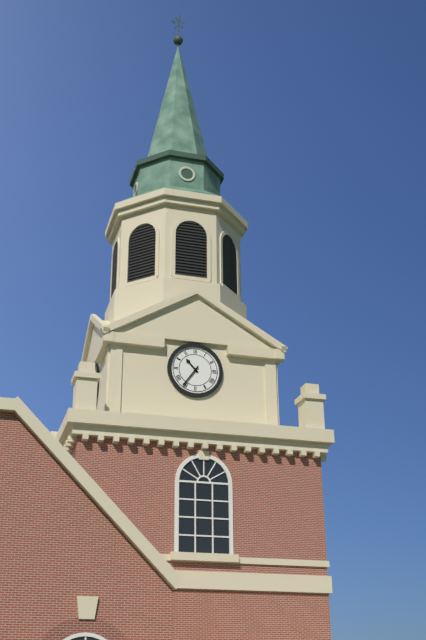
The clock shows 10.36
